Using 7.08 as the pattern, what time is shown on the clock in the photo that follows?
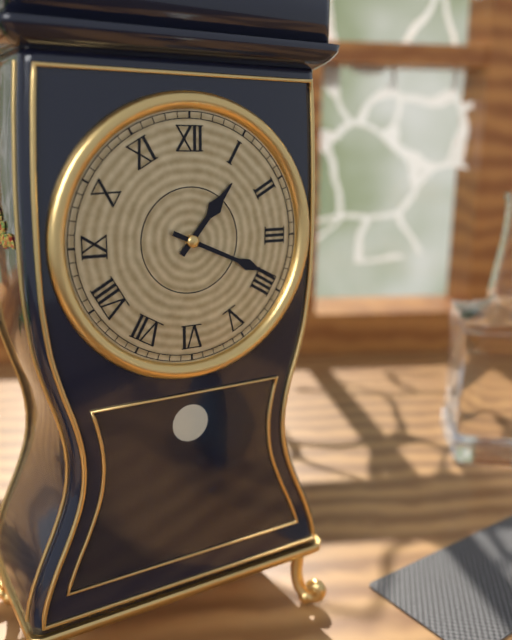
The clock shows 1.19
